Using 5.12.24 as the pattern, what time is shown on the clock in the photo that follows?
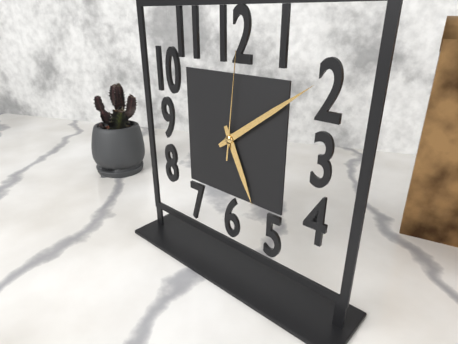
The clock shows 5.09.01
